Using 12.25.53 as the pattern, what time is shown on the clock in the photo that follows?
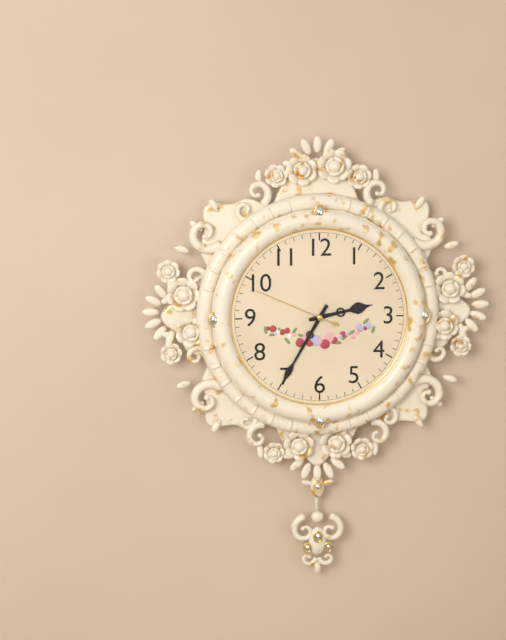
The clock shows 2.35.49
